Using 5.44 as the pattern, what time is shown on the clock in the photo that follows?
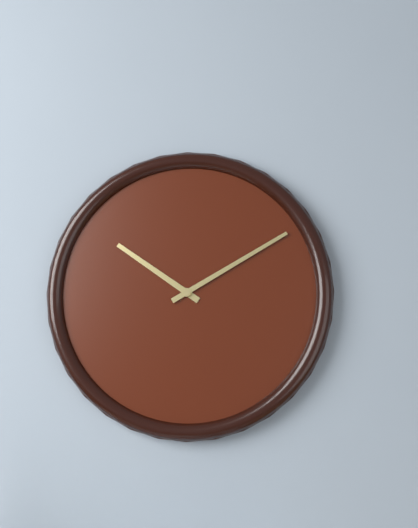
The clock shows 10.10
